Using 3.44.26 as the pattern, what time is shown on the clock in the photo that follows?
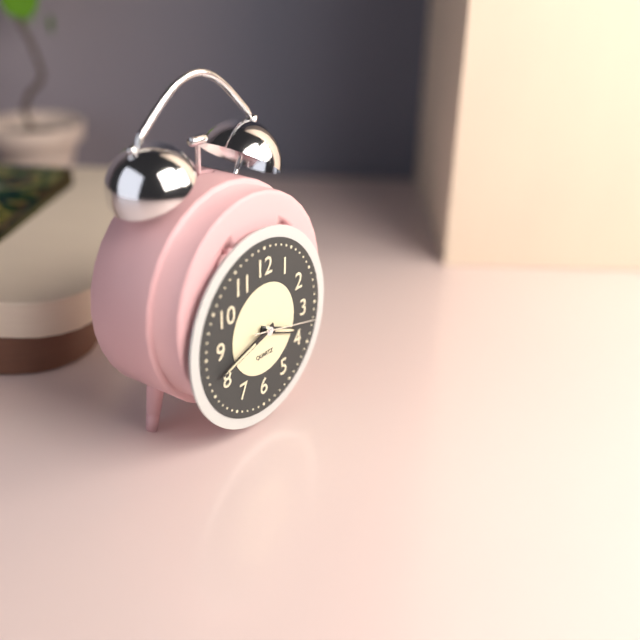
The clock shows 3.42.17
